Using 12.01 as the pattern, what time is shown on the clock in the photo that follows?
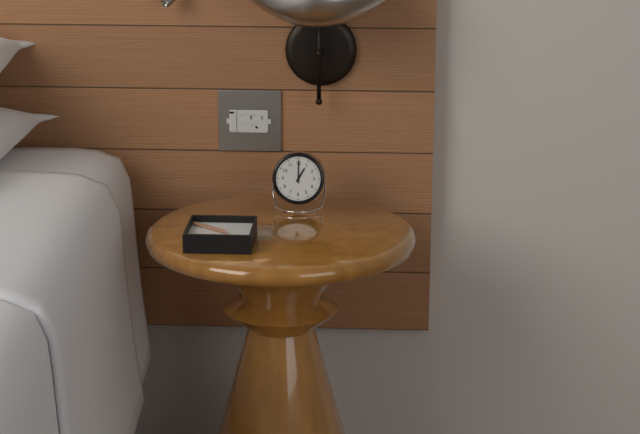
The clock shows 1.00
